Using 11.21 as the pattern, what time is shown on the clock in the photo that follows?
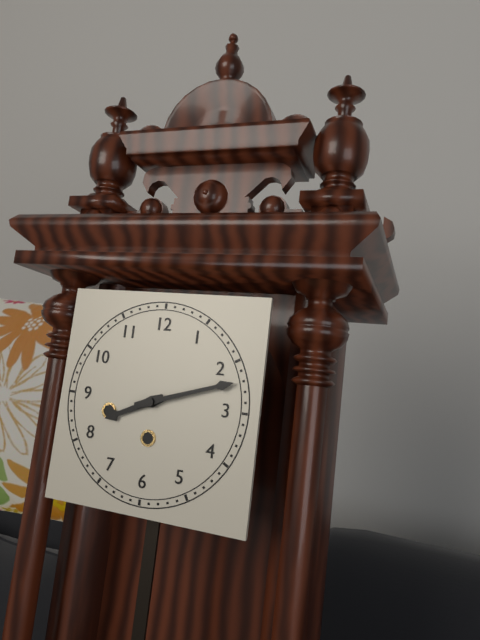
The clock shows 8.12
